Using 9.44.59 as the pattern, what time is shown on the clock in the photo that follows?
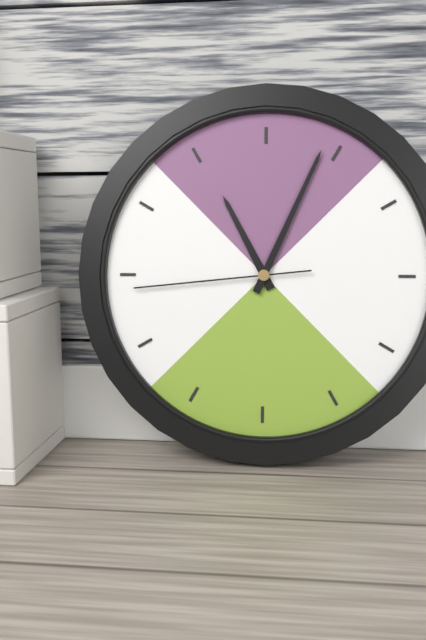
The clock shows 11.04.44
